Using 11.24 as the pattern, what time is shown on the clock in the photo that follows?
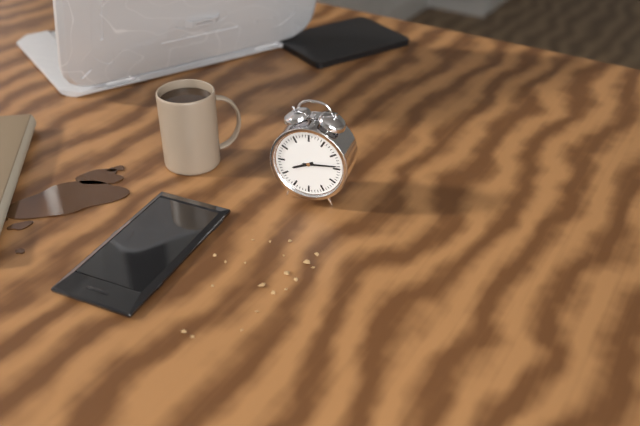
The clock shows 8.14
